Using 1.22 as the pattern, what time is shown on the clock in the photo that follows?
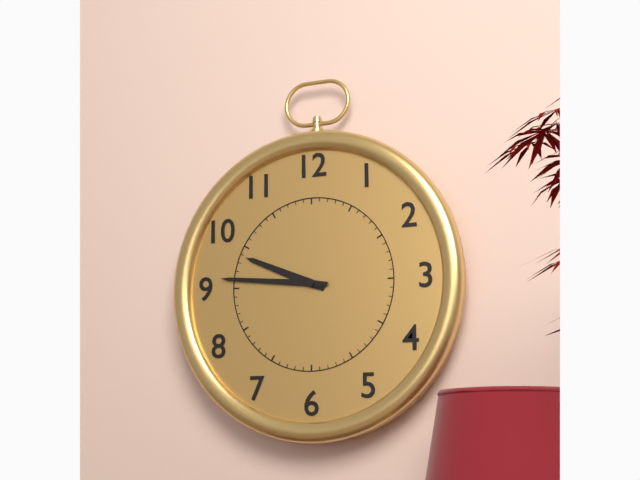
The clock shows 9.46
